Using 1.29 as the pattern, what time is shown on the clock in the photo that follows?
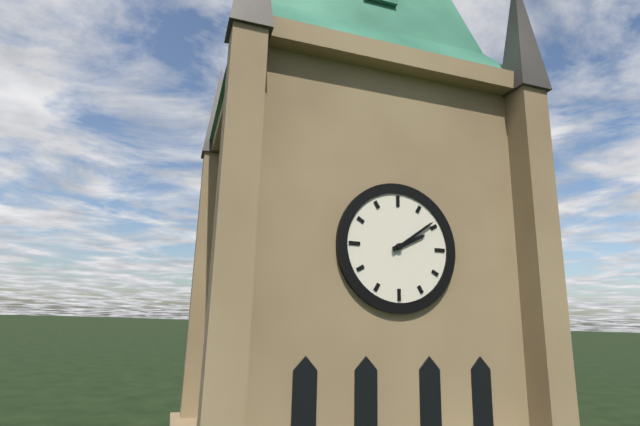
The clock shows 2.09
